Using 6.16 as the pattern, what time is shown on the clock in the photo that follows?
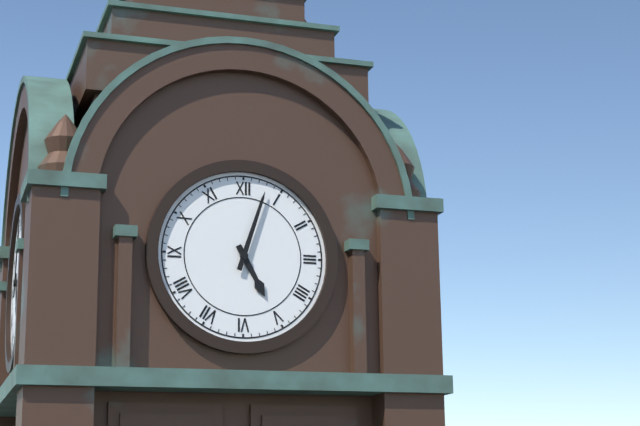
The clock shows 5.03
